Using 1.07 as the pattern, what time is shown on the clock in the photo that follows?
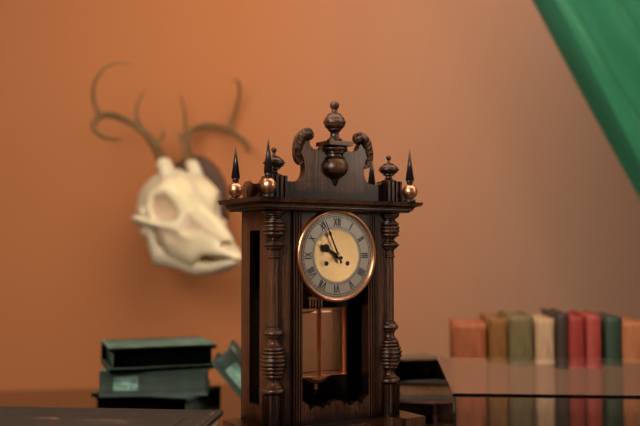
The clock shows 9.56
